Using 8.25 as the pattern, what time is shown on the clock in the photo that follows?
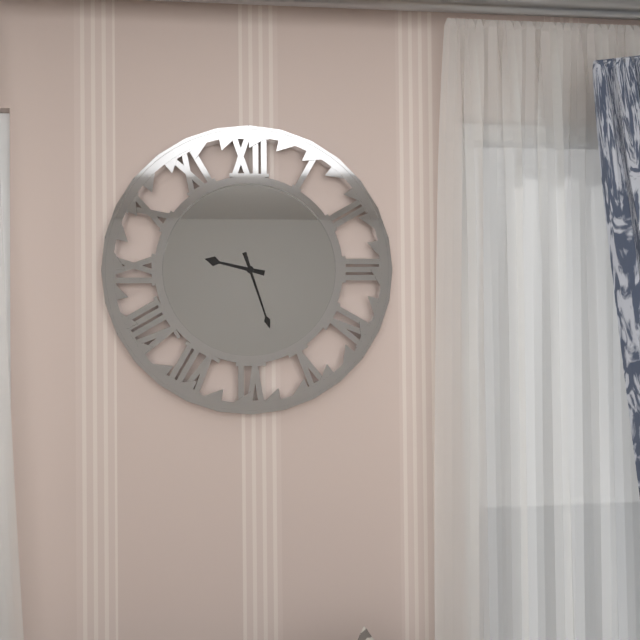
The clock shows 9.27
